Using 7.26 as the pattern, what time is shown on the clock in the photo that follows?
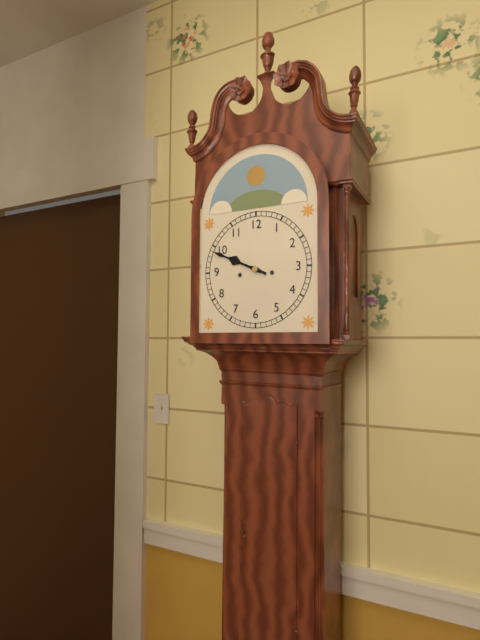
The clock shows 9.49
